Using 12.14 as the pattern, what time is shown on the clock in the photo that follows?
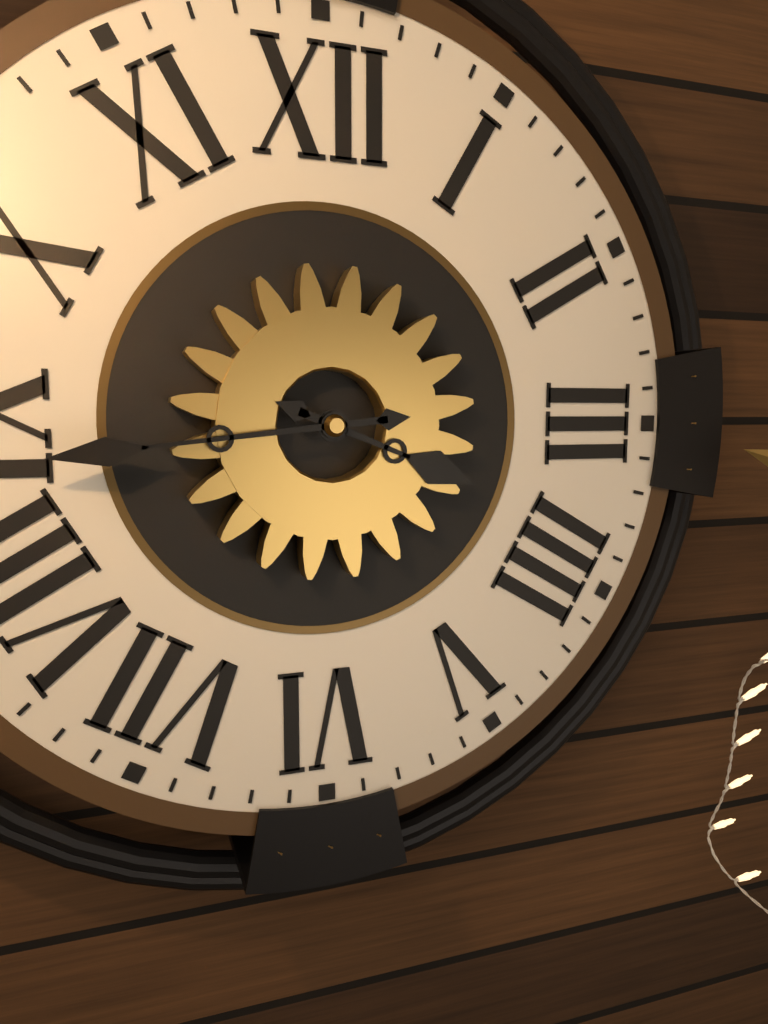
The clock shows 3.44
